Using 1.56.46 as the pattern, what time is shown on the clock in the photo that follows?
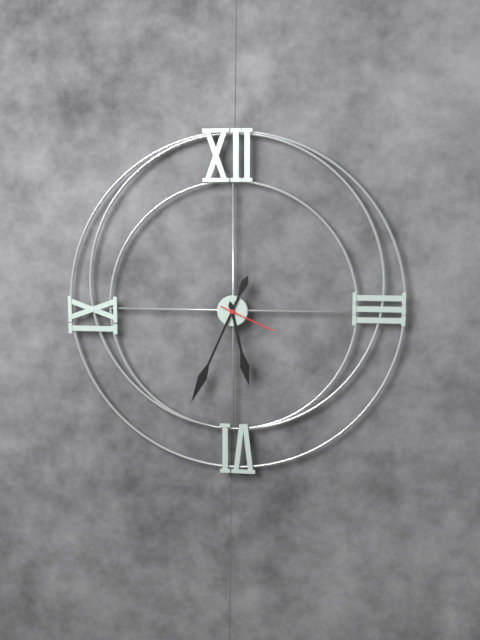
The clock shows 5.34.19
